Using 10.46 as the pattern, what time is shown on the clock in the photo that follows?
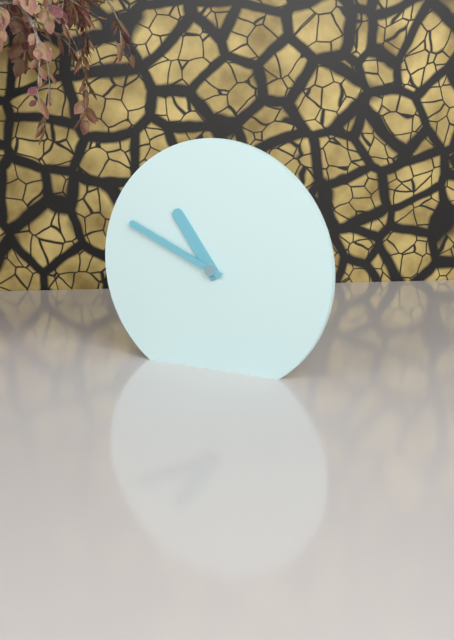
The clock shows 10.49
